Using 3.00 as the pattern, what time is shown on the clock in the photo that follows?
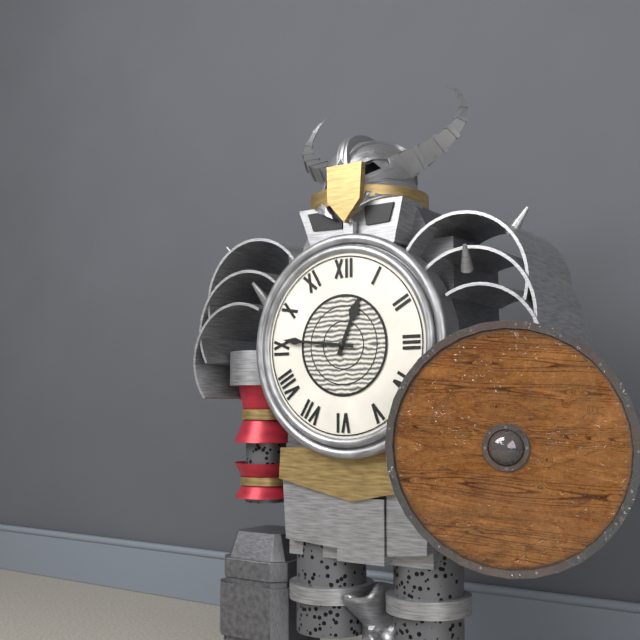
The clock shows 12.46
